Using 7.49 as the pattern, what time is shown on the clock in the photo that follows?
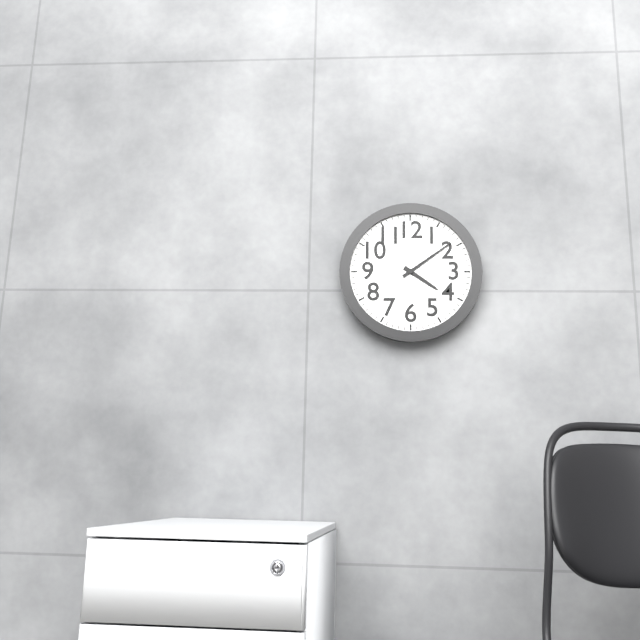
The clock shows 4.09
